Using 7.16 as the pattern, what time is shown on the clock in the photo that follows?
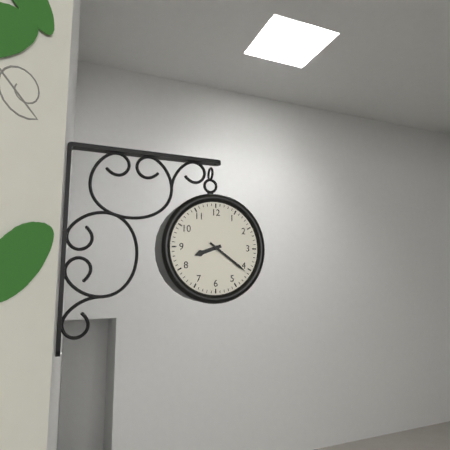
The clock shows 8.21
